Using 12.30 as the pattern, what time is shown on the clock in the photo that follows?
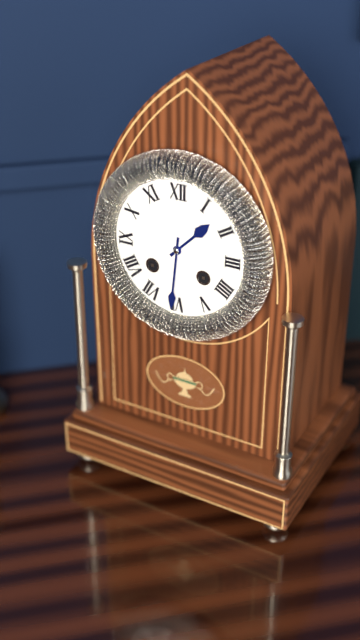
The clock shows 1.31
